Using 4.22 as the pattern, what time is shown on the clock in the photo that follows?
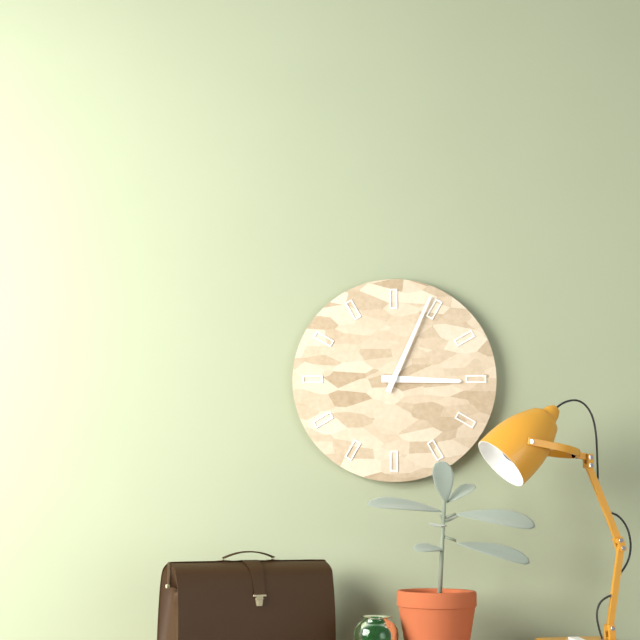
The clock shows 3.04
